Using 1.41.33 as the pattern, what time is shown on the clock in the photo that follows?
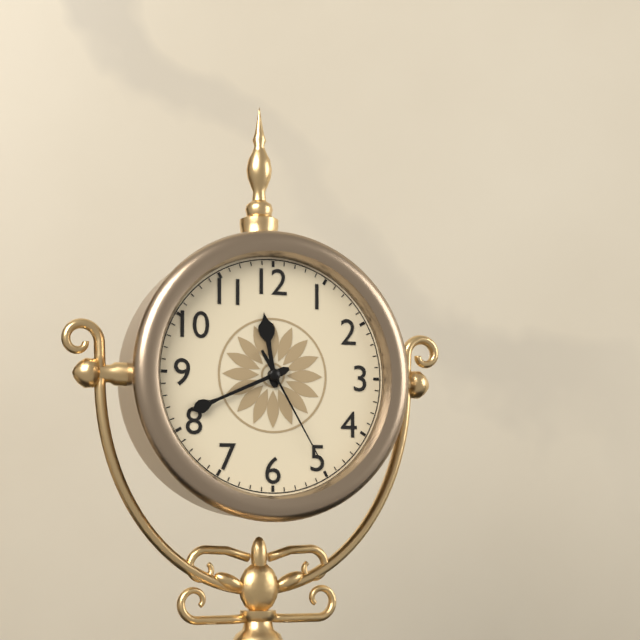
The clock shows 11.41.25
